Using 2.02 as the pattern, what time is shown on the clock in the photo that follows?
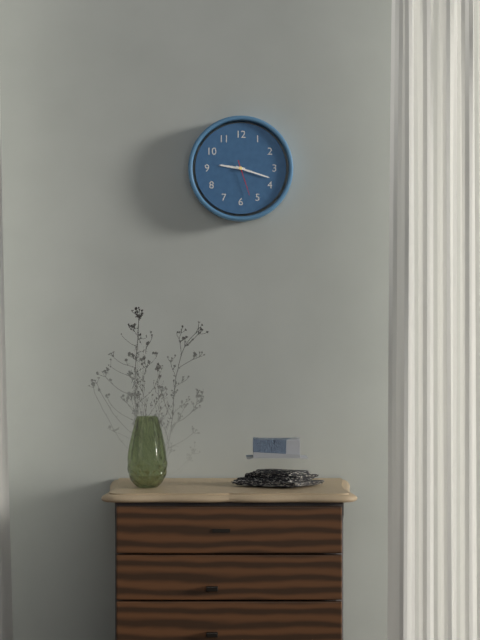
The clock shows 9.18
